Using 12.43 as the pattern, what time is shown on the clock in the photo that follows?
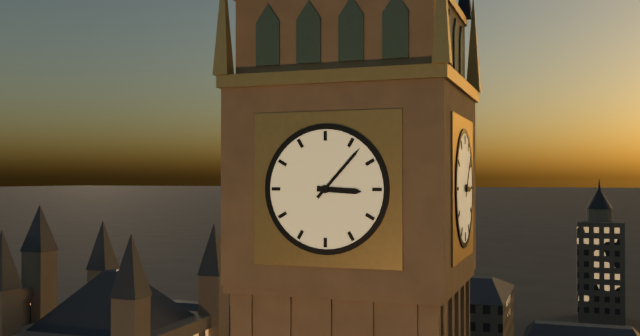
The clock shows 3.07
